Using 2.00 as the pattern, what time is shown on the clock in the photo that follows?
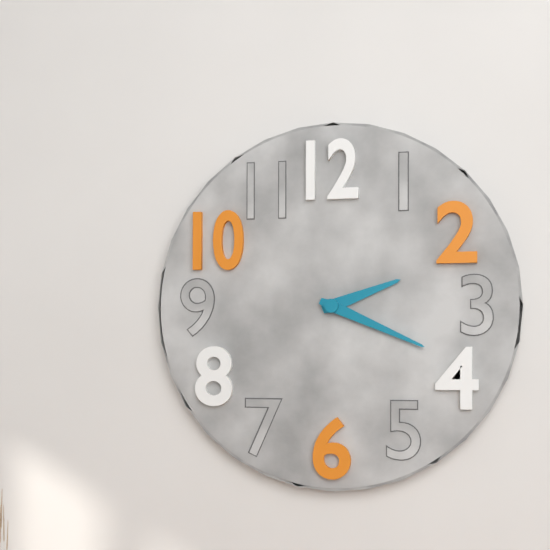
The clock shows 2.19
